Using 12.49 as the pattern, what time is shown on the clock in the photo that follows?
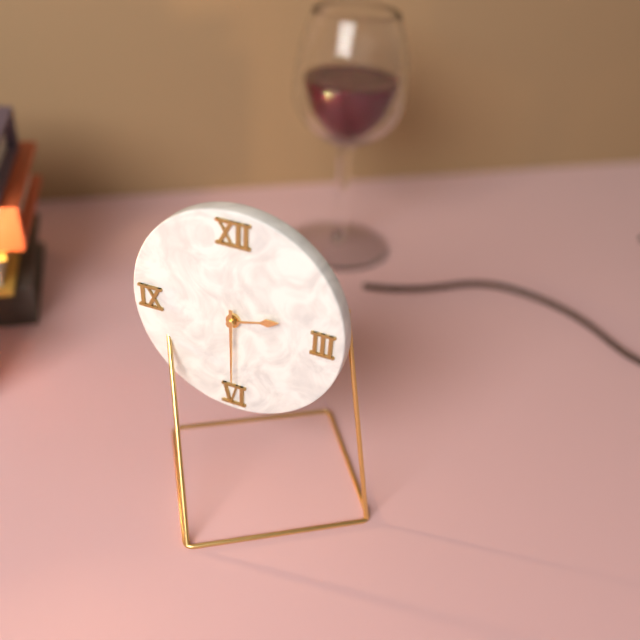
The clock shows 2.30
